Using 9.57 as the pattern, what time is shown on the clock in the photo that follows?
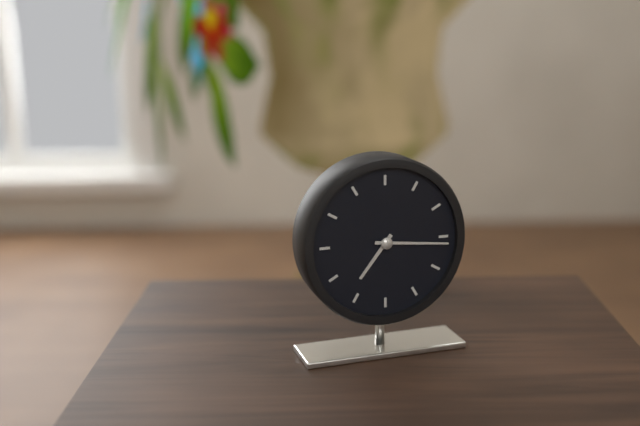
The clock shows 7.16
